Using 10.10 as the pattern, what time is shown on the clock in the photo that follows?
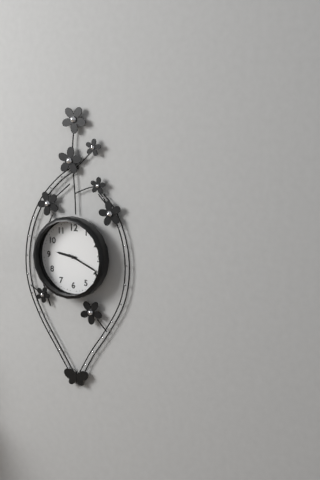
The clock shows 9.19
